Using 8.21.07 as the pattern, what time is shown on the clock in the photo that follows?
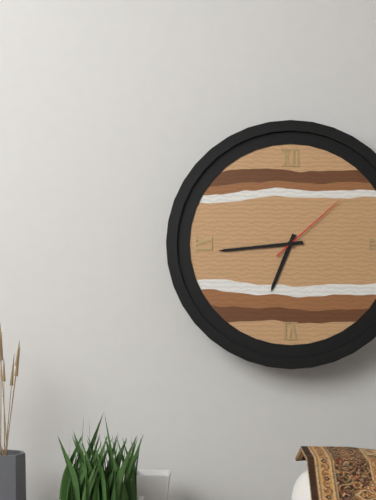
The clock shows 6.44.08
